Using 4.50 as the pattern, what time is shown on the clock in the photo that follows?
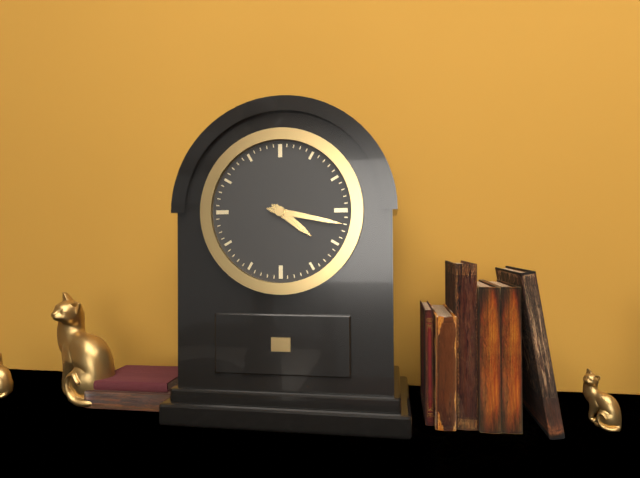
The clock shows 4.17
